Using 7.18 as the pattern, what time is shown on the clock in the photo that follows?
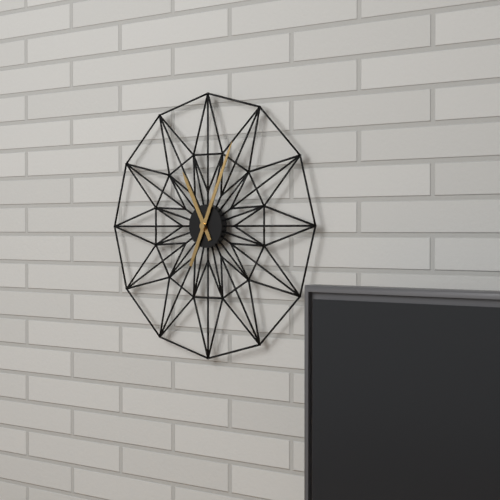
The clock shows 11.04
